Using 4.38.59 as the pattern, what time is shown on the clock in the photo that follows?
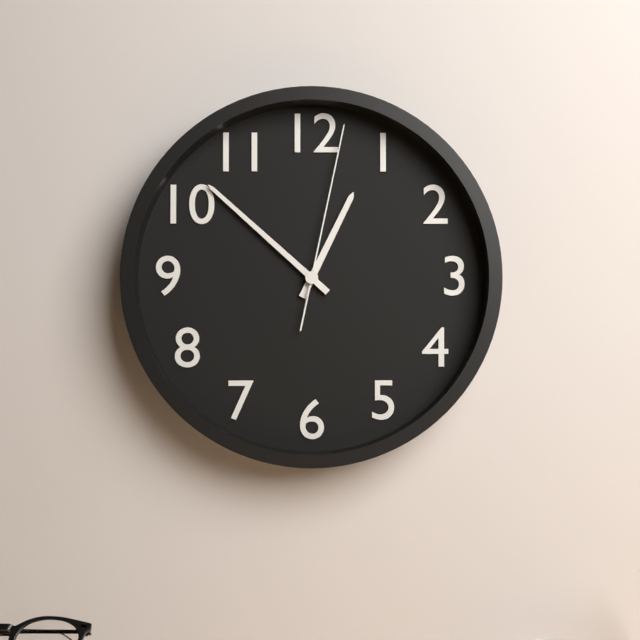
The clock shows 12.52.02
